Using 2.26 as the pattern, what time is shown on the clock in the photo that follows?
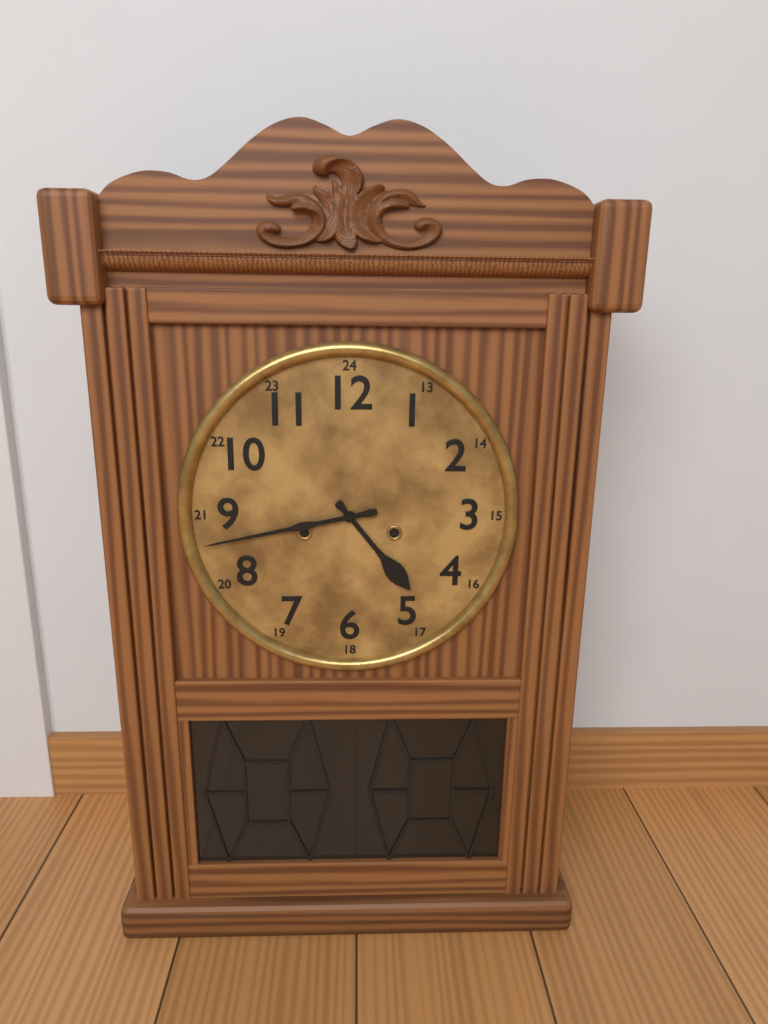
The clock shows 4.43
